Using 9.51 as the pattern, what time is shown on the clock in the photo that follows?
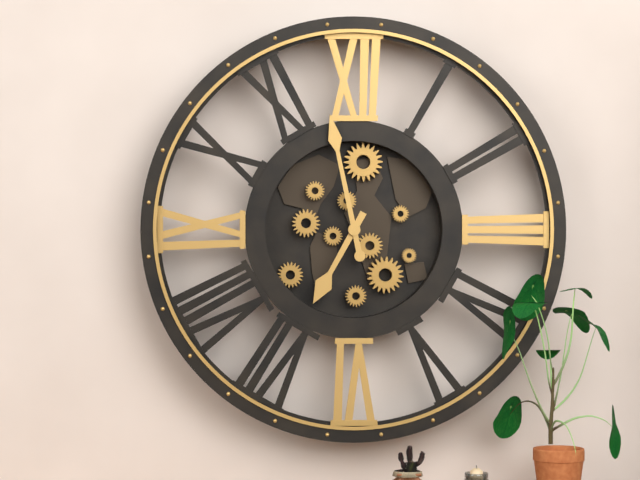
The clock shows 6.58
